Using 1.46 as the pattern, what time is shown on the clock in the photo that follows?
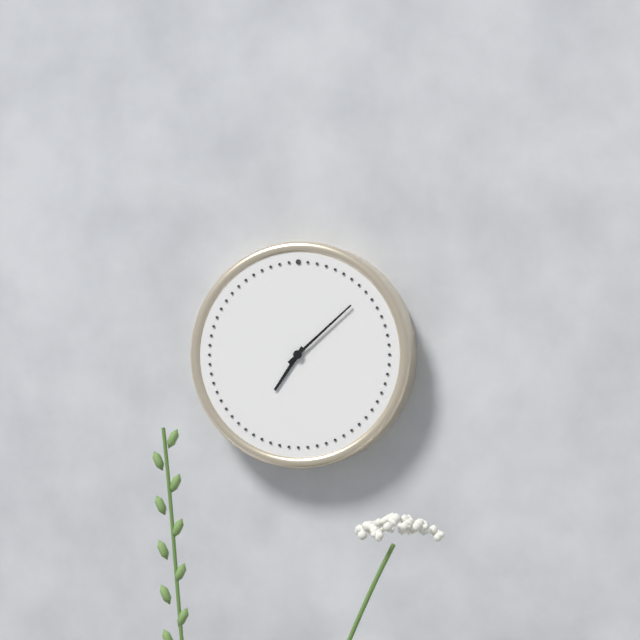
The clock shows 7.08
